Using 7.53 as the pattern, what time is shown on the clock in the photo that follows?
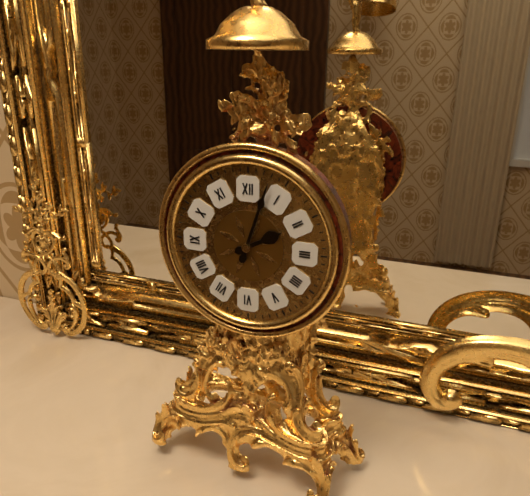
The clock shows 2.03
